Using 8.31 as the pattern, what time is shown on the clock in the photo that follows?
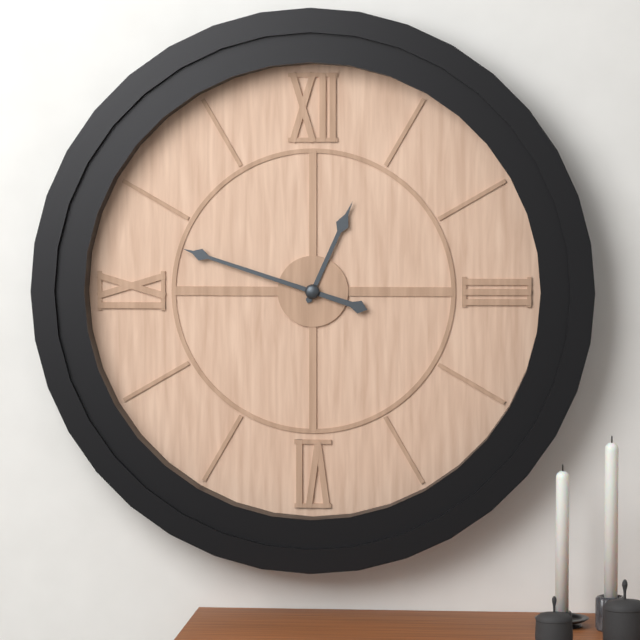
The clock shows 12.48
